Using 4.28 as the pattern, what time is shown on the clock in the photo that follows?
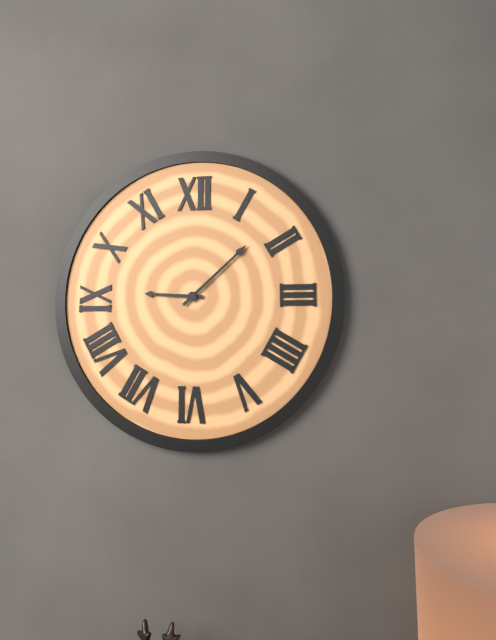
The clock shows 9.08
